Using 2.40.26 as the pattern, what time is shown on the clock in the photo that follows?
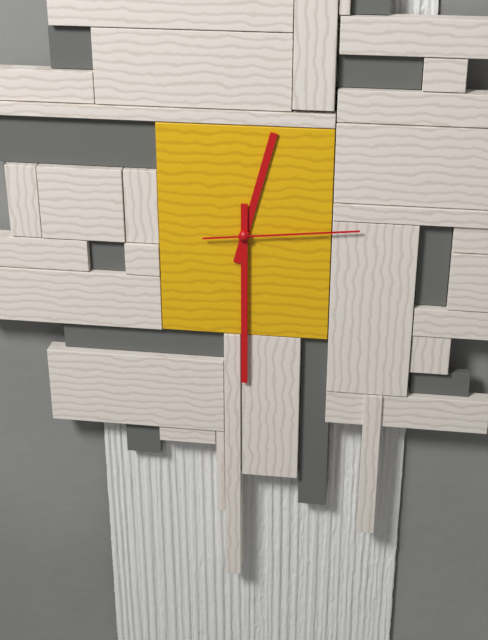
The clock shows 12.30.14
